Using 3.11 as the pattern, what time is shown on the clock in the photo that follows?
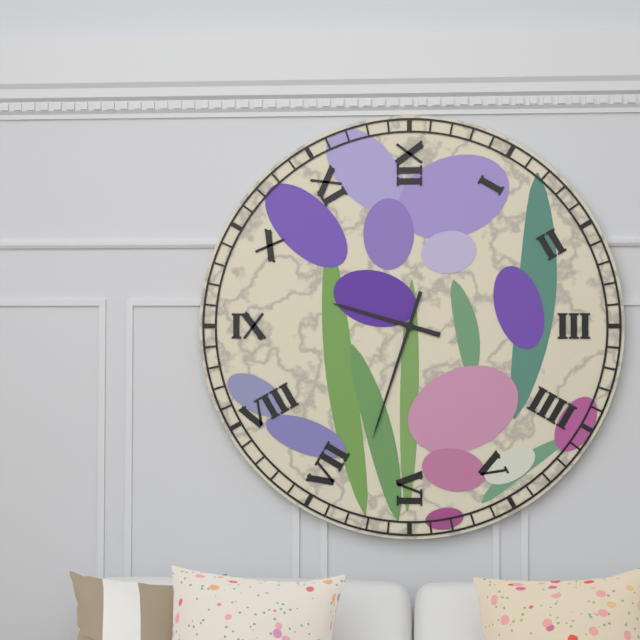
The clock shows 9.33
